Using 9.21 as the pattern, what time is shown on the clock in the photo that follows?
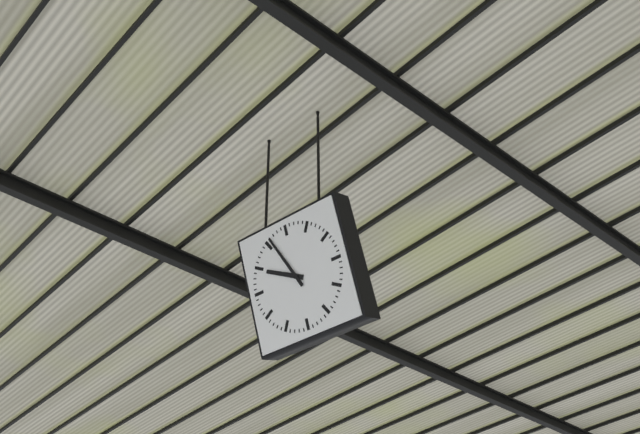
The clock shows 9.56
